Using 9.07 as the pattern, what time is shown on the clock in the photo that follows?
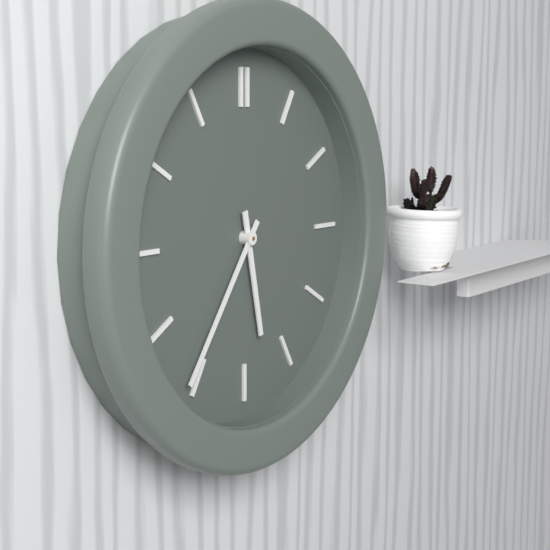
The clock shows 5.36
